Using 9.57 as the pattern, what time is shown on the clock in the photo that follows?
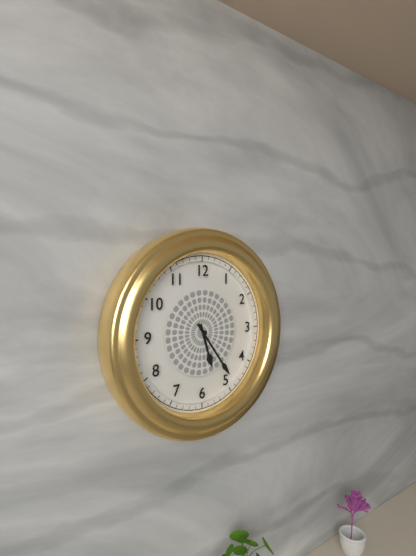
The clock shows 5.24
